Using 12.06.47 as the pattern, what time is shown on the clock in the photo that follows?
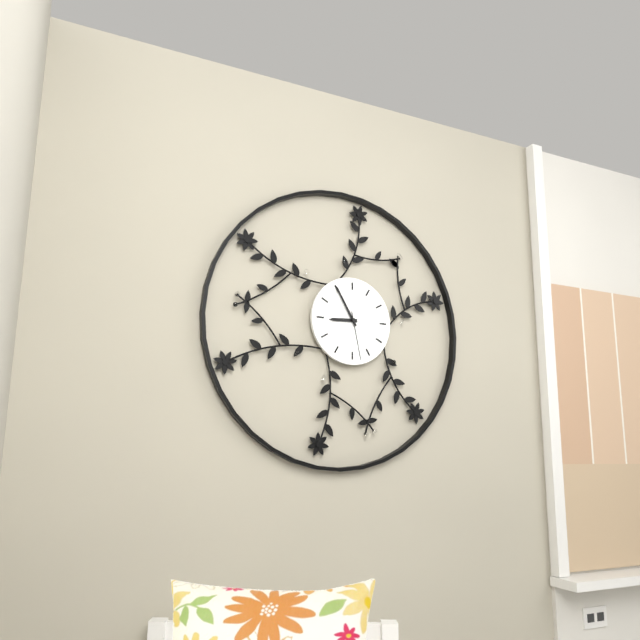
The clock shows 8.55.28
